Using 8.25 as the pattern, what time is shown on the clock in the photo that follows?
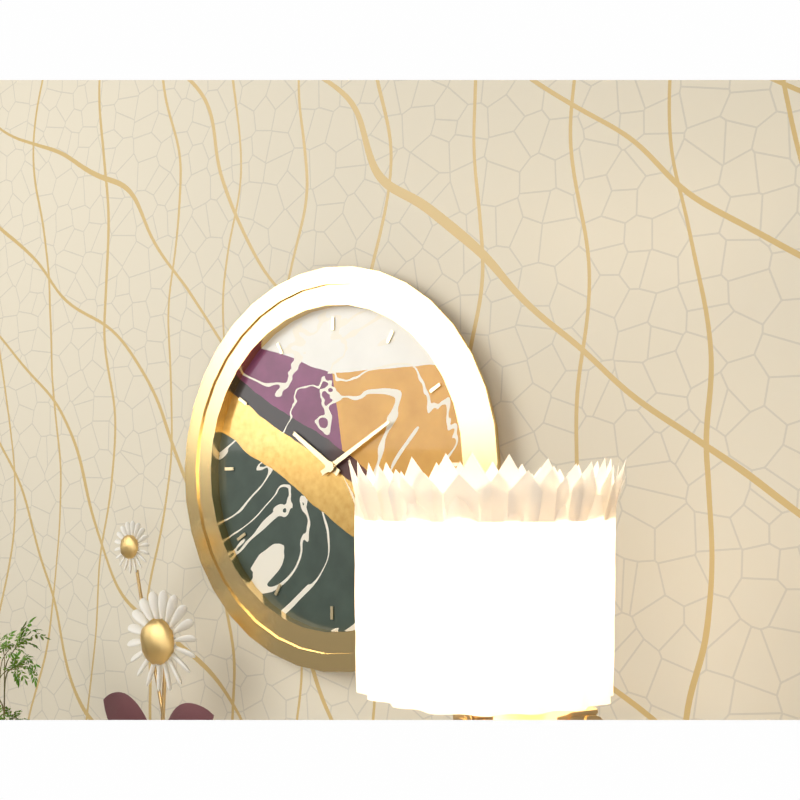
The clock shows 10.10
